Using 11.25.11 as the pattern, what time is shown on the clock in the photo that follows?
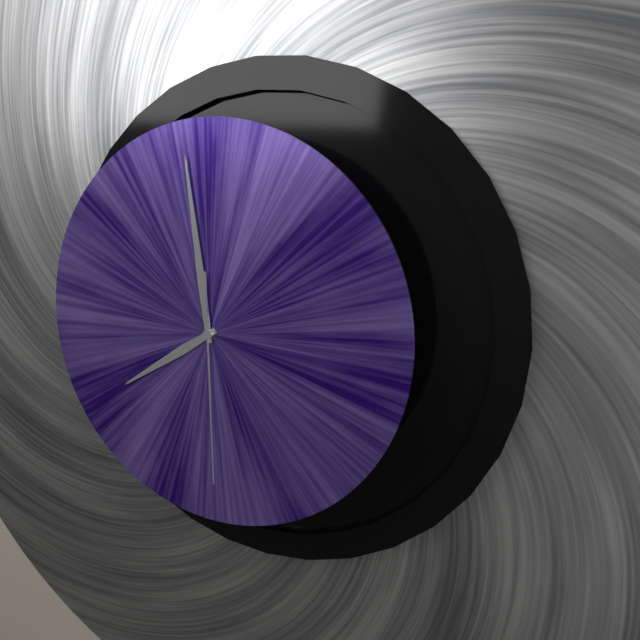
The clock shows 7.59.30
